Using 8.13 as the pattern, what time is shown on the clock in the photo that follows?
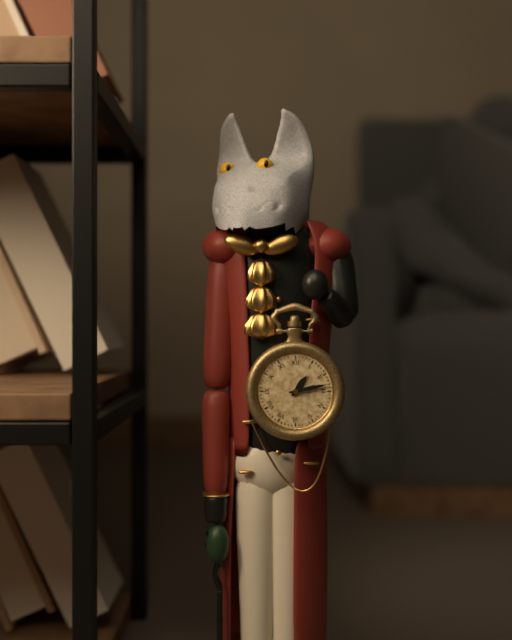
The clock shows 1.13
